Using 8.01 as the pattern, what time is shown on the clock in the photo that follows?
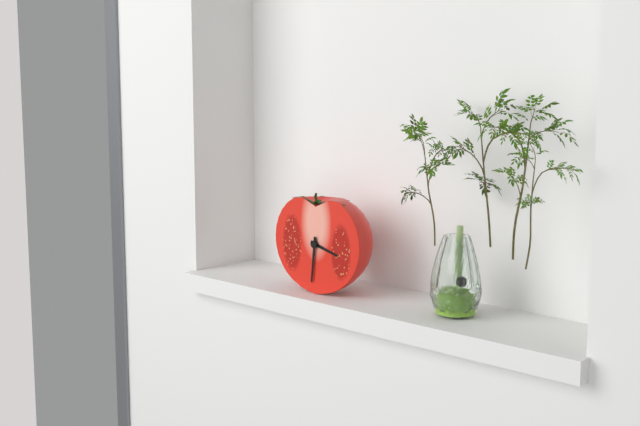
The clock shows 3.31
